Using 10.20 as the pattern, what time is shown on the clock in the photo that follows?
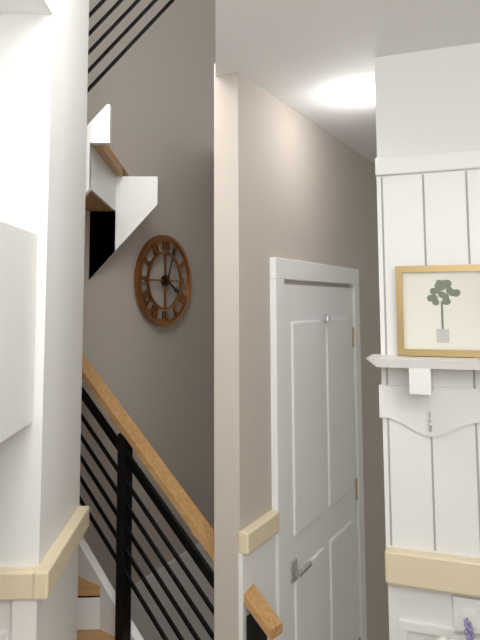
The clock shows 4.03
